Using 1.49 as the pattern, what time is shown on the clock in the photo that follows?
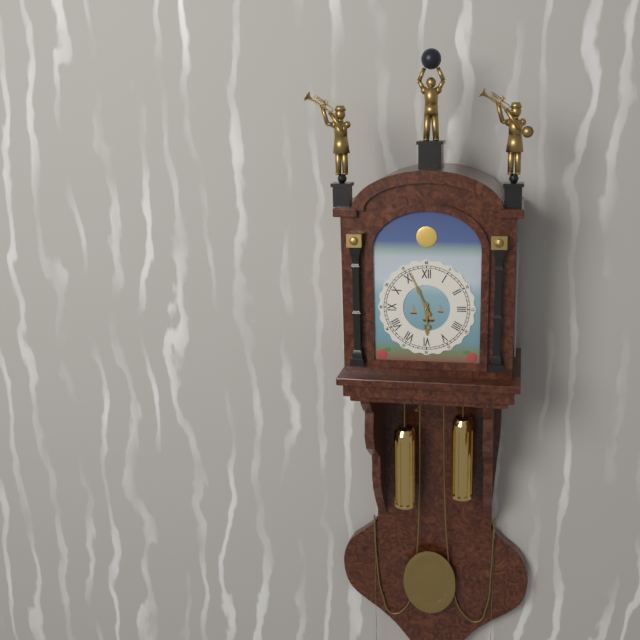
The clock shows 5.56
